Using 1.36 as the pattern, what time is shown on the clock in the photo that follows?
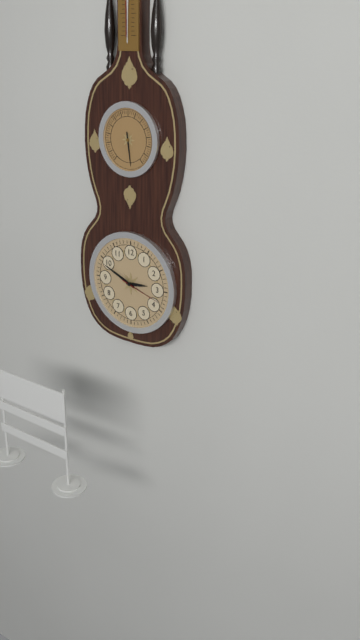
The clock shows 2.49
